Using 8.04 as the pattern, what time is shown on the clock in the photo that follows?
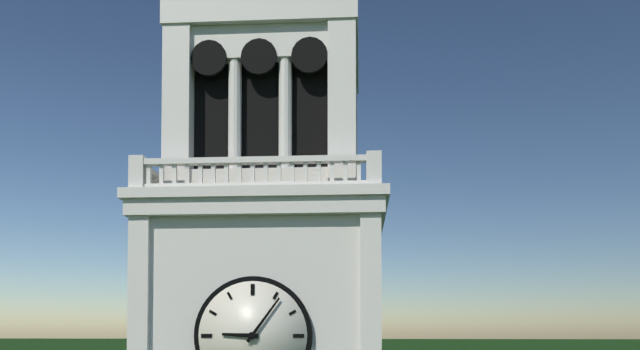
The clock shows 9.06
